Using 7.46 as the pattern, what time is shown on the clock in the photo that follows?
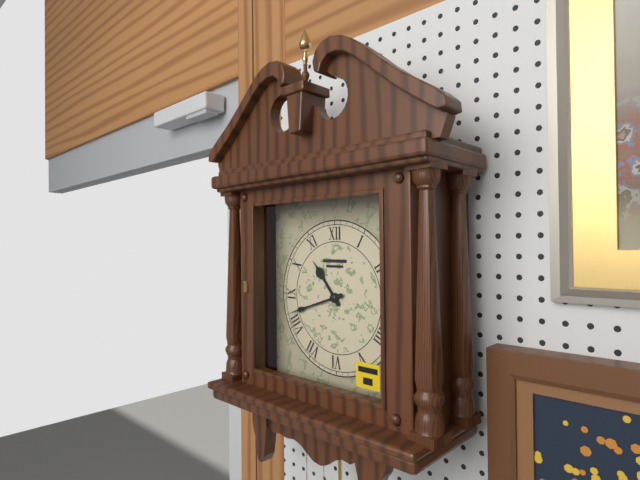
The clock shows 10.42
